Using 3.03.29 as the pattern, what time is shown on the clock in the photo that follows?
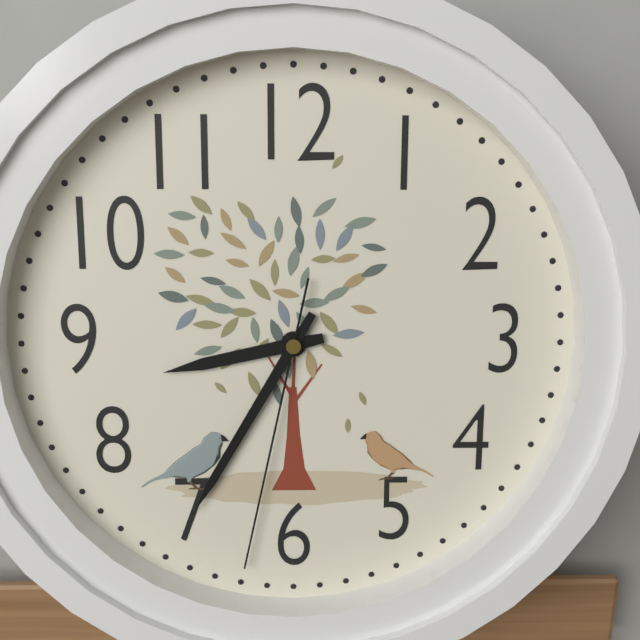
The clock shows 8.35.32
